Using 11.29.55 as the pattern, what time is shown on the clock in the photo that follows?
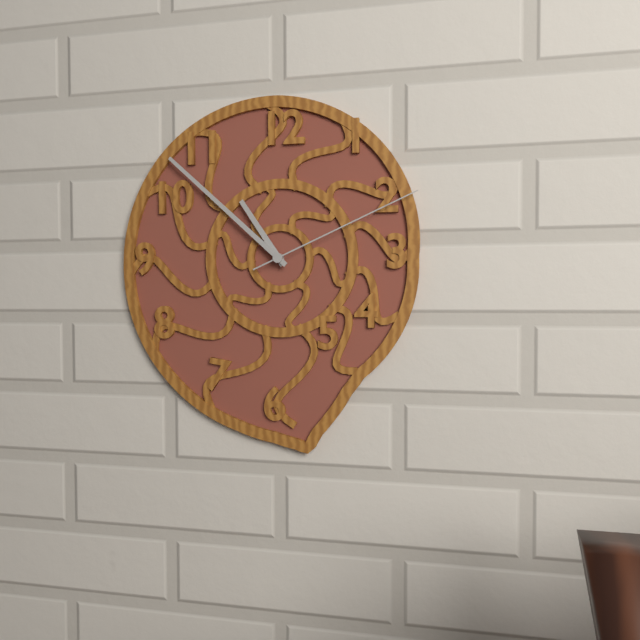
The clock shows 10.52.11
